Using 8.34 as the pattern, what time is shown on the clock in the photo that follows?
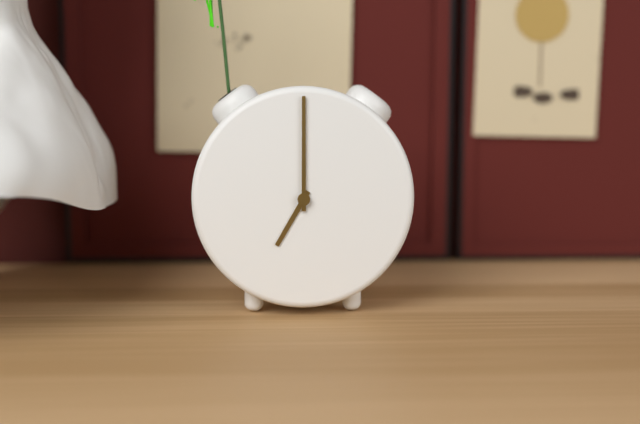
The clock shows 7.00
